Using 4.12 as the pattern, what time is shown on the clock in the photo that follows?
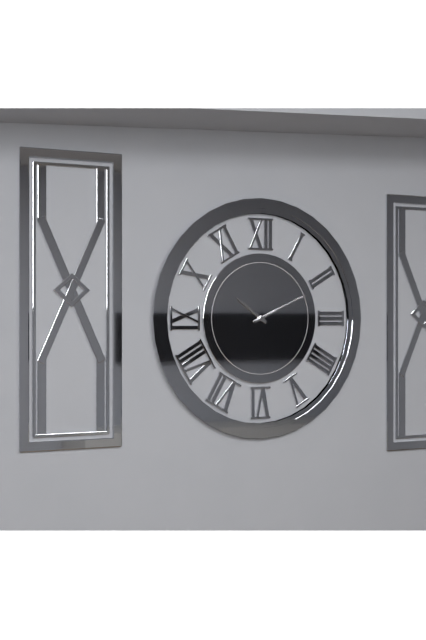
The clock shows 10.11
